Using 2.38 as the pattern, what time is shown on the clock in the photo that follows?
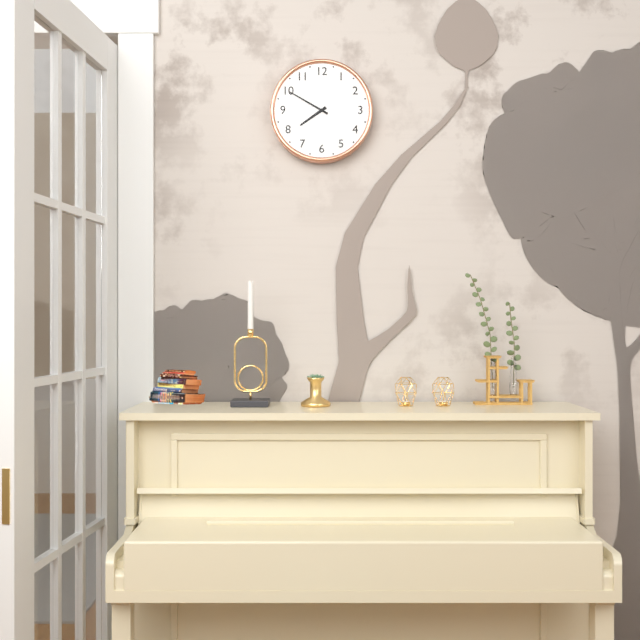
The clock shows 7.50
